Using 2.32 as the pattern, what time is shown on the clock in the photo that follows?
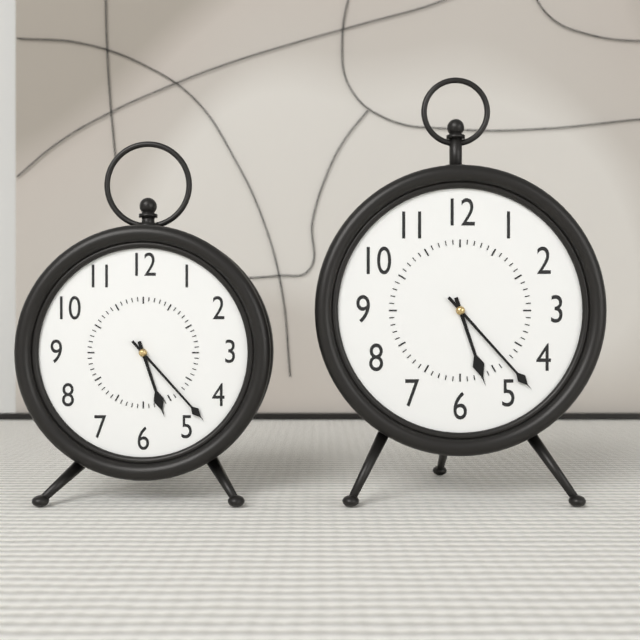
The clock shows 5.23
